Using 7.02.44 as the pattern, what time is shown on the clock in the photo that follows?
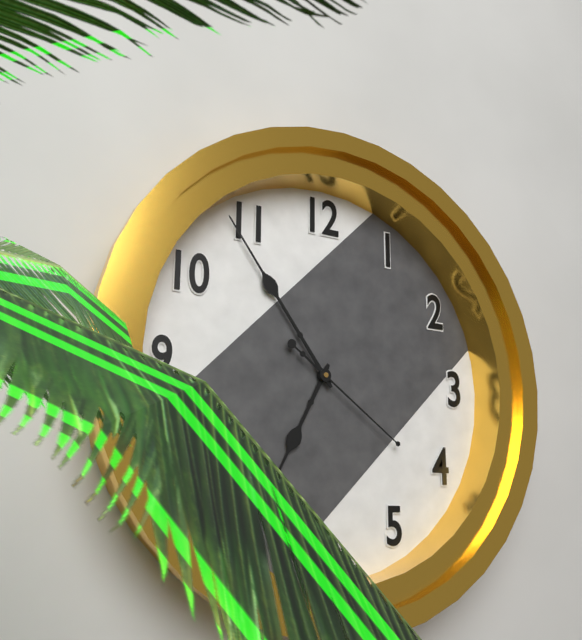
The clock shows 6.54.21
